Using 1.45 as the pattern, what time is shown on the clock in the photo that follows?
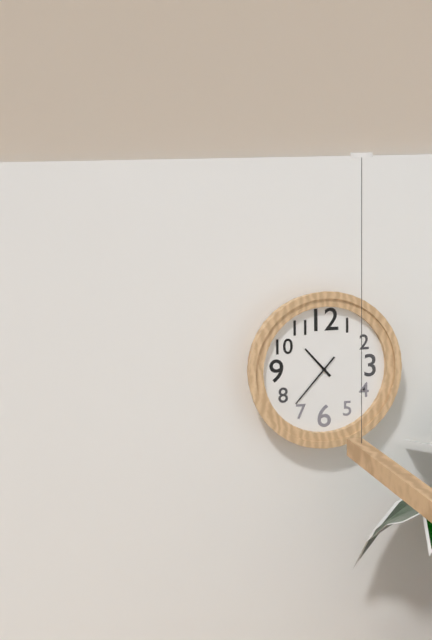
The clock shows 10.37
